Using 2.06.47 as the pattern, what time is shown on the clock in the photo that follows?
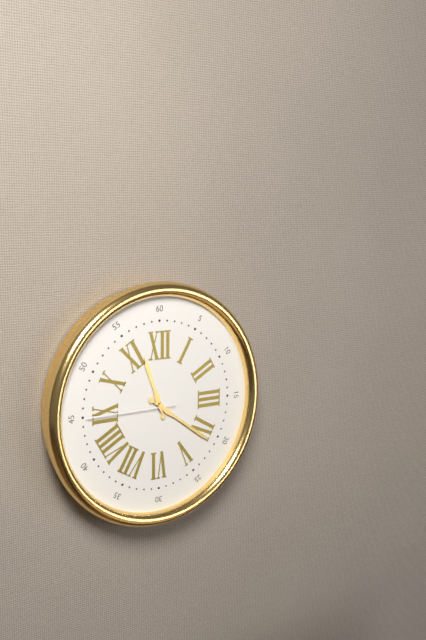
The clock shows 11.21.45
